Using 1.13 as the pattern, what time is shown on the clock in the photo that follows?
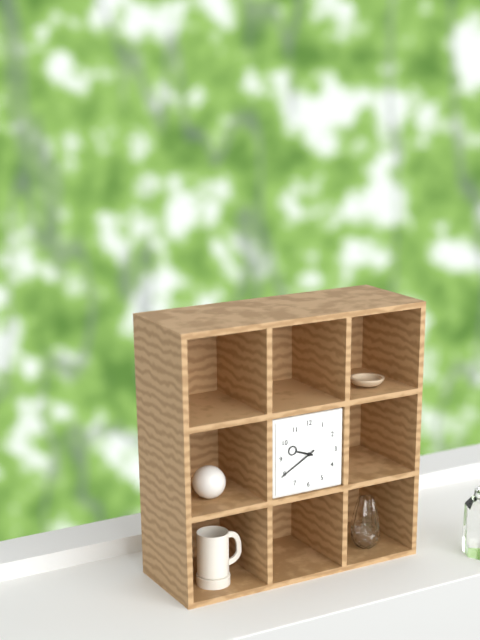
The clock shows 9.40
